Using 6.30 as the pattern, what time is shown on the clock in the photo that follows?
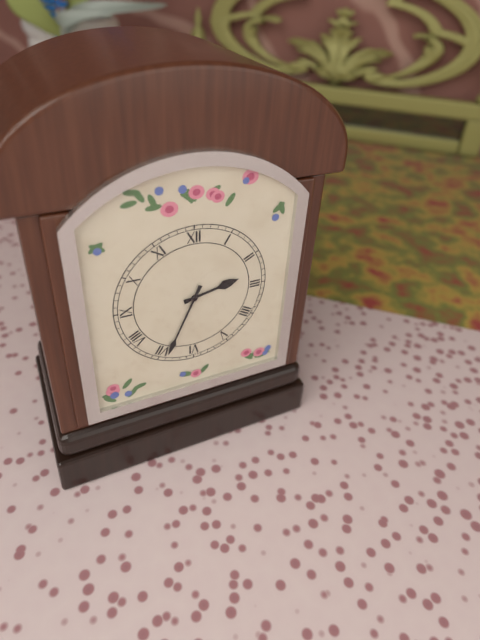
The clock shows 2.34
